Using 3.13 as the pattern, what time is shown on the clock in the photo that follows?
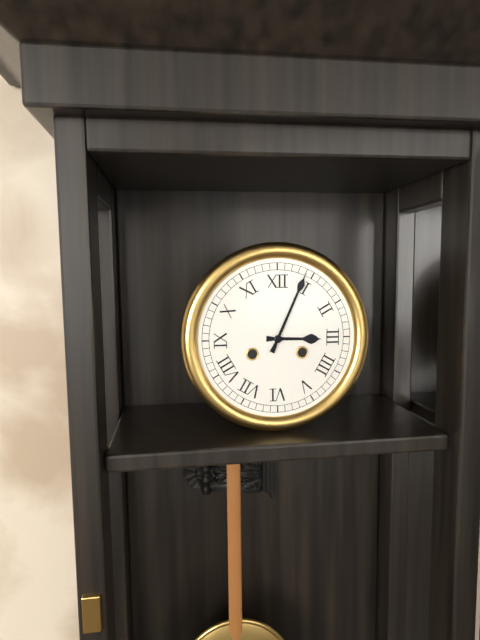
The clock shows 3.04
